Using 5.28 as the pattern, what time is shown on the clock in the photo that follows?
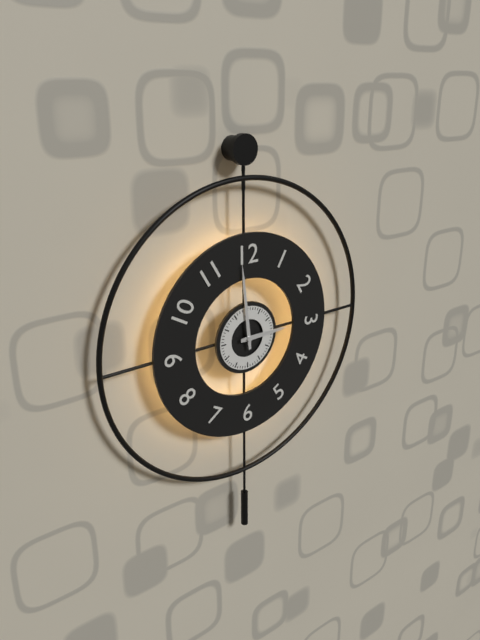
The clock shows 2.59
